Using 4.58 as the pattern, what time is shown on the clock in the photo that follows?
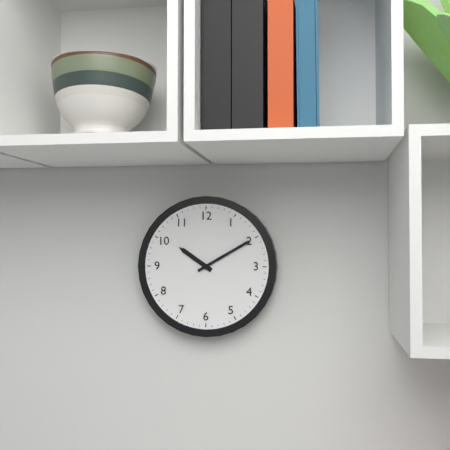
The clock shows 10.10
